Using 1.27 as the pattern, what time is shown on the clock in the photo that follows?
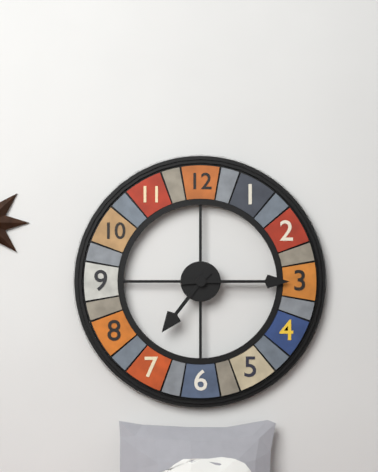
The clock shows 7.15
